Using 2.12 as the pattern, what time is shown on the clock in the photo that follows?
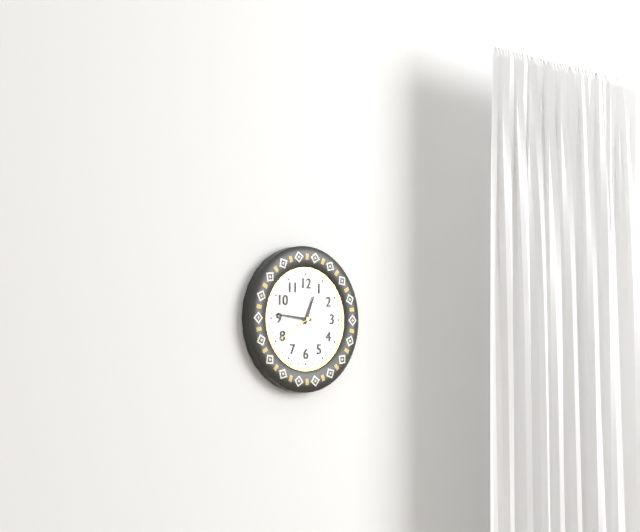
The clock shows 12.46
